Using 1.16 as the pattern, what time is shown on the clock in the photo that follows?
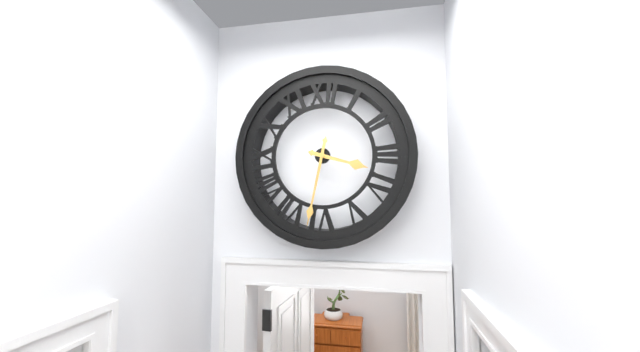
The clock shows 3.32
